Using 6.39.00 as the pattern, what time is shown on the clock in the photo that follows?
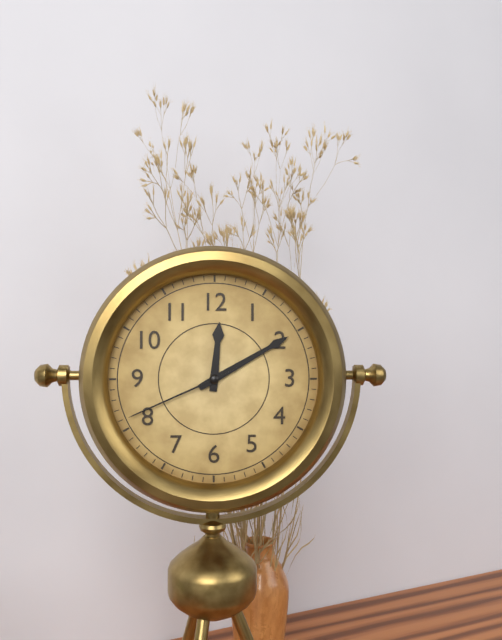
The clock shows 12.10.41
